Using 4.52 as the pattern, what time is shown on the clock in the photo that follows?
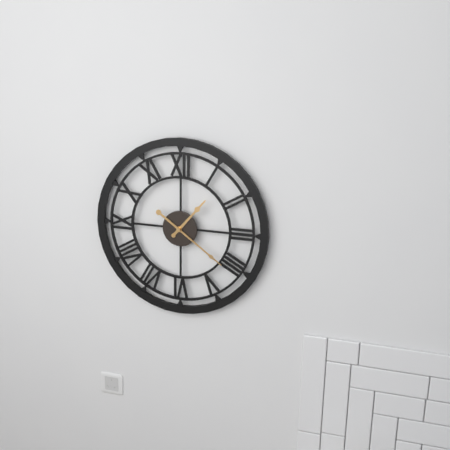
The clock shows 1.21
